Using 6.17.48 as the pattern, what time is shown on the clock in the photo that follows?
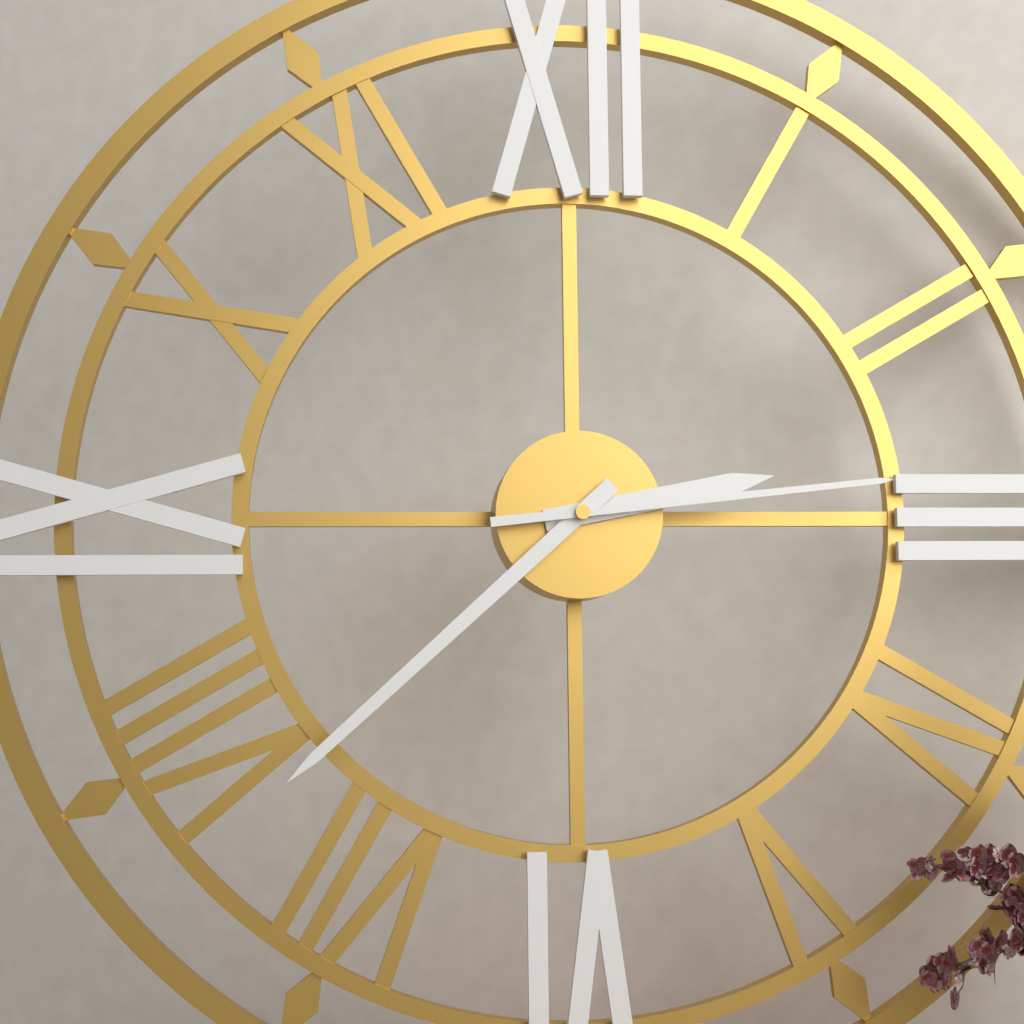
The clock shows 2.38.14
